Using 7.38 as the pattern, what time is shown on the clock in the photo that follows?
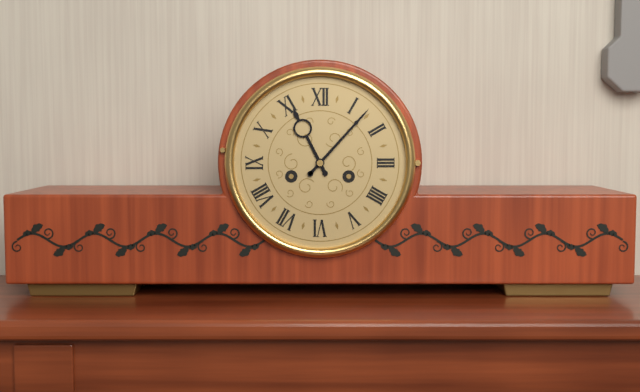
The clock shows 11.07
